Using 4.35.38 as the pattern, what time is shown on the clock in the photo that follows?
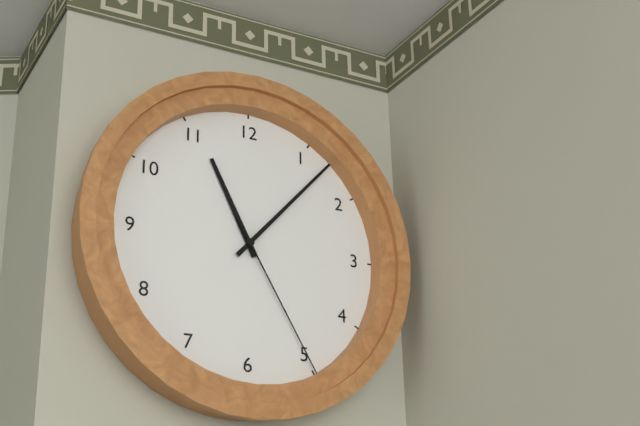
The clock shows 11.07.25
